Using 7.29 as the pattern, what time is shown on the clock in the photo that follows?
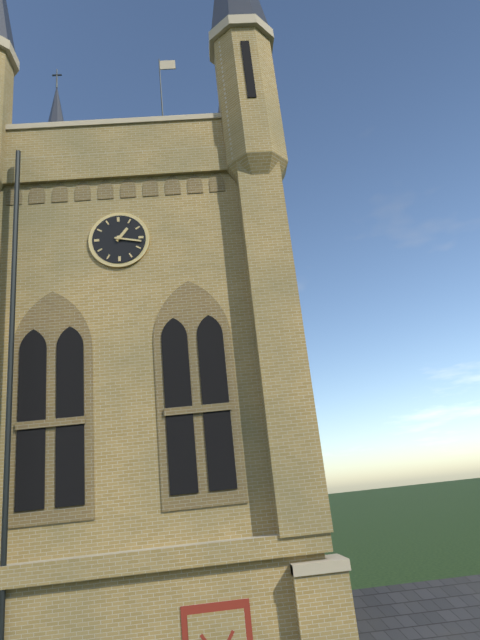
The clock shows 1.17
